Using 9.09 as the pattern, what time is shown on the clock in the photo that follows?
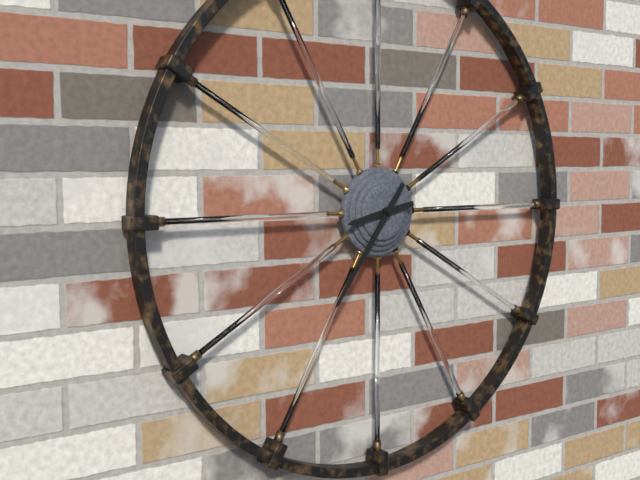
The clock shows 8.36
